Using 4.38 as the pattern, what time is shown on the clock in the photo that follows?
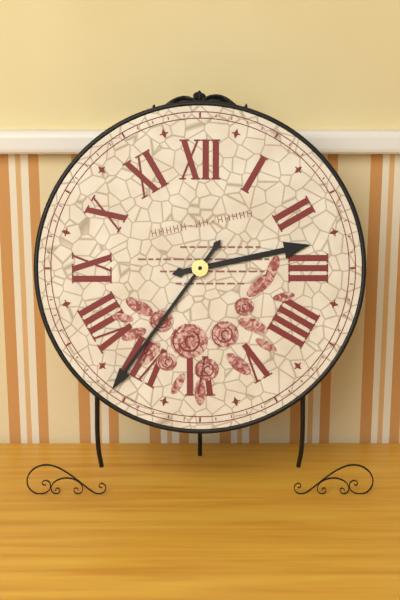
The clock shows 2.36
